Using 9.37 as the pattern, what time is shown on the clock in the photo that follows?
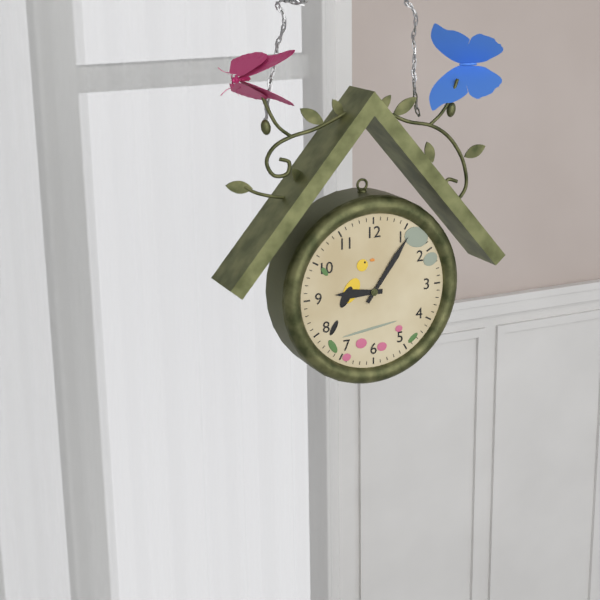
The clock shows 9.06
